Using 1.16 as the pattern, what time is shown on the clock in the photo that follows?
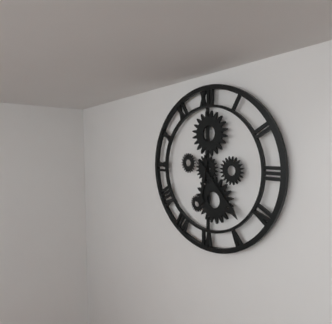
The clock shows 6.23
